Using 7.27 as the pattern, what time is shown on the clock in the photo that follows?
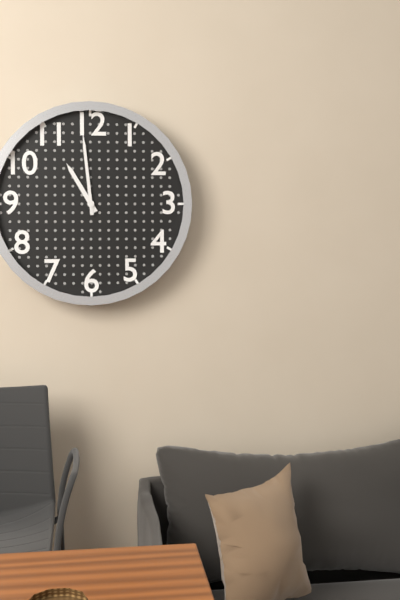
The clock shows 10.59
